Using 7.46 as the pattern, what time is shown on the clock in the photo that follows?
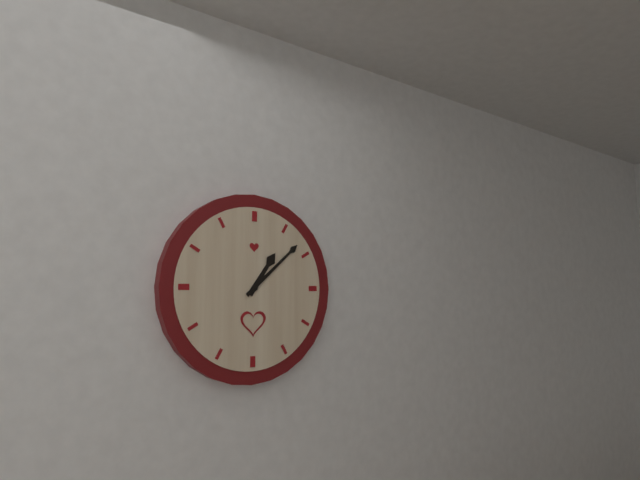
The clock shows 1.08
